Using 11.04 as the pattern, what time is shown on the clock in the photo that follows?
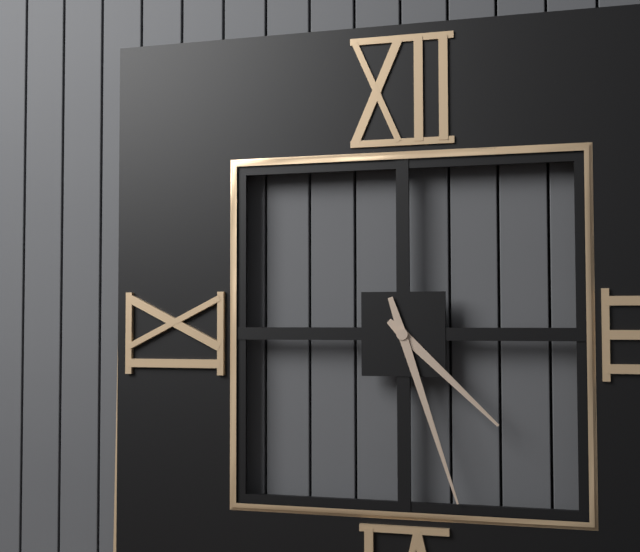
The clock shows 4.27
